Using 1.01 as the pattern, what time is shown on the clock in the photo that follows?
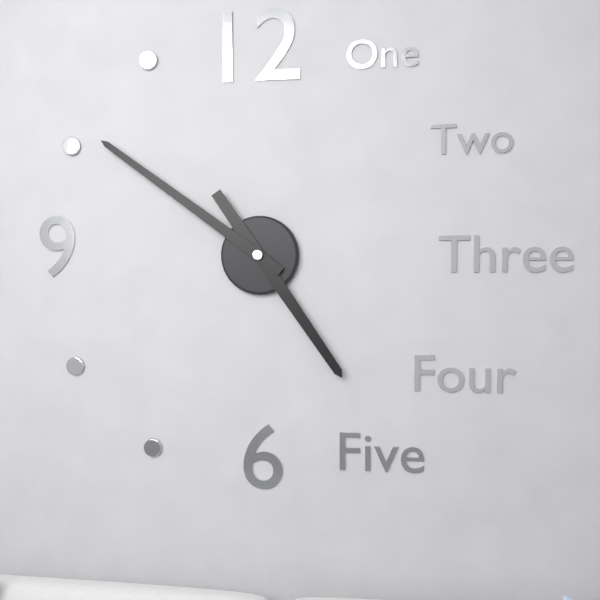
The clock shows 4.51
